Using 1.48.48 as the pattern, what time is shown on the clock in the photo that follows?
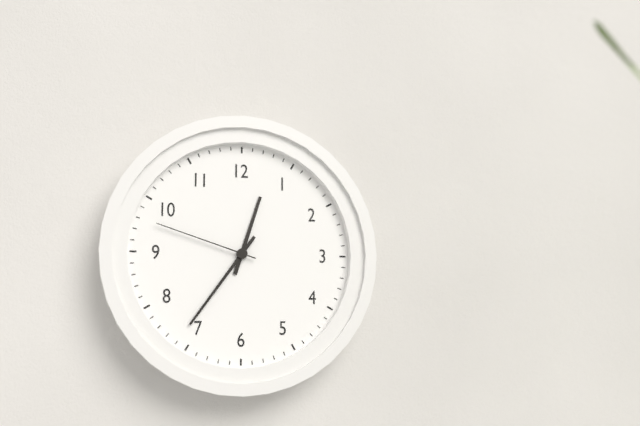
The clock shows 12.36.48
